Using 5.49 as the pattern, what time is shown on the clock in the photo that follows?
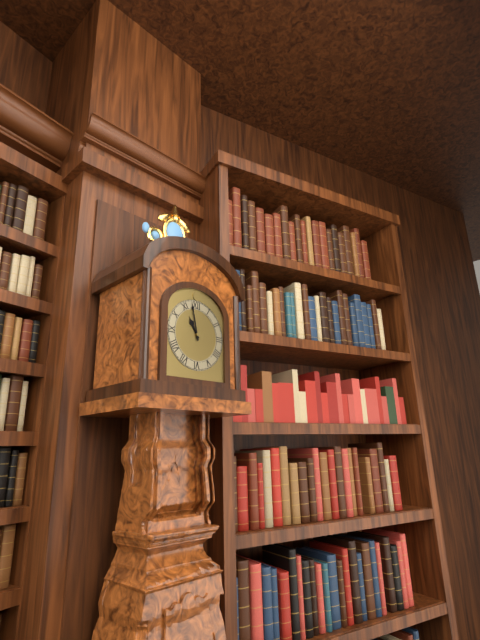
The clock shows 10.58
